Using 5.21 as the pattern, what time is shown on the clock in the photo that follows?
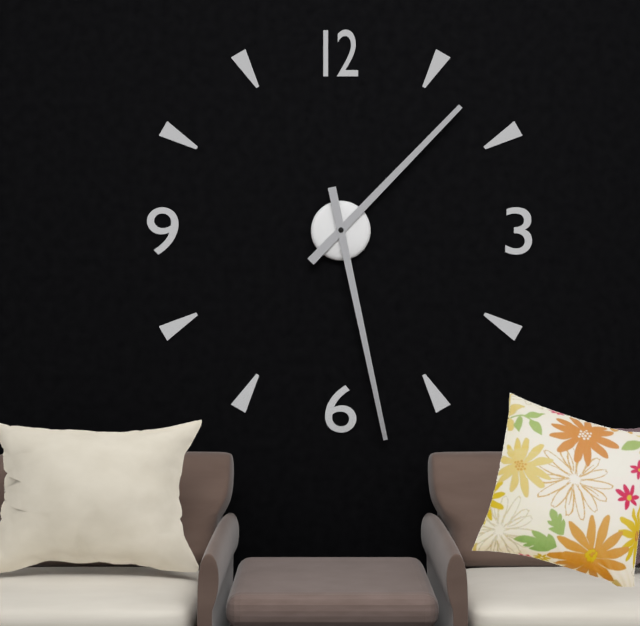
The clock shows 1.28
